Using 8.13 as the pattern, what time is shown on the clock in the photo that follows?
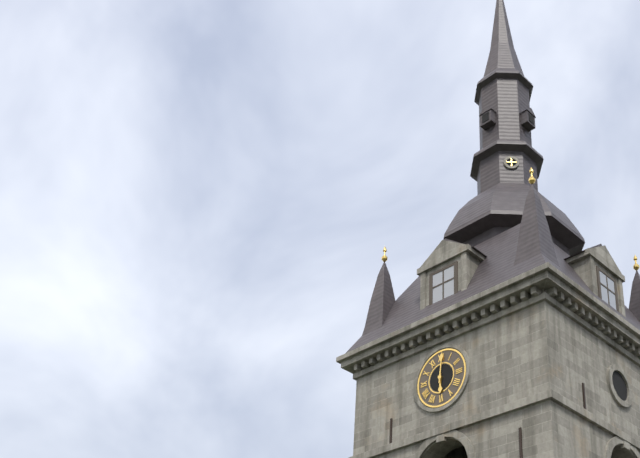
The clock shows 6.01
